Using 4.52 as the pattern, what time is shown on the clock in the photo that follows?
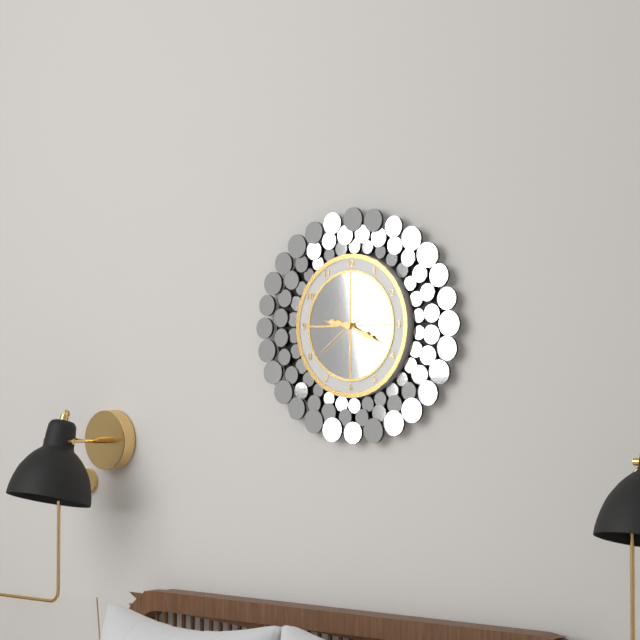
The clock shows 9.19
